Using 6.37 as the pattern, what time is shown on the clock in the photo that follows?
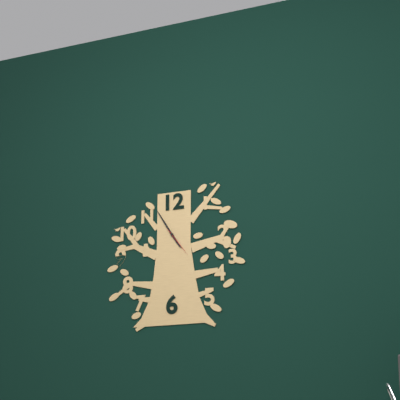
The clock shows 4.55
